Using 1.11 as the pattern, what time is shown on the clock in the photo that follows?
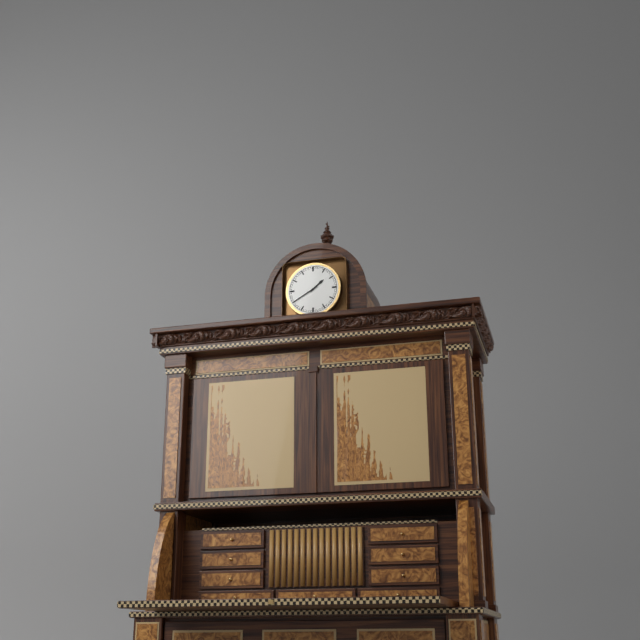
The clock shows 1.40
